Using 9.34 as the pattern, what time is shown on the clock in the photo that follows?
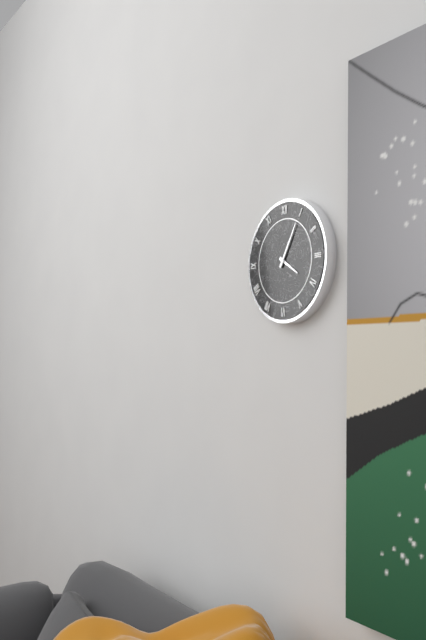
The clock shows 4.05
